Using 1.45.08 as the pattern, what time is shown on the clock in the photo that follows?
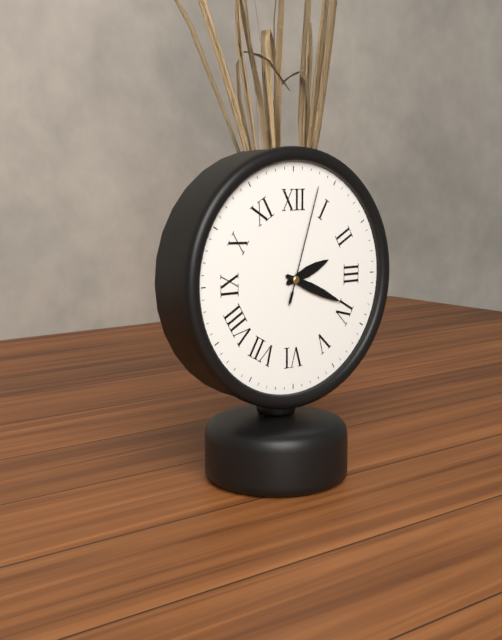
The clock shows 2.19.03
